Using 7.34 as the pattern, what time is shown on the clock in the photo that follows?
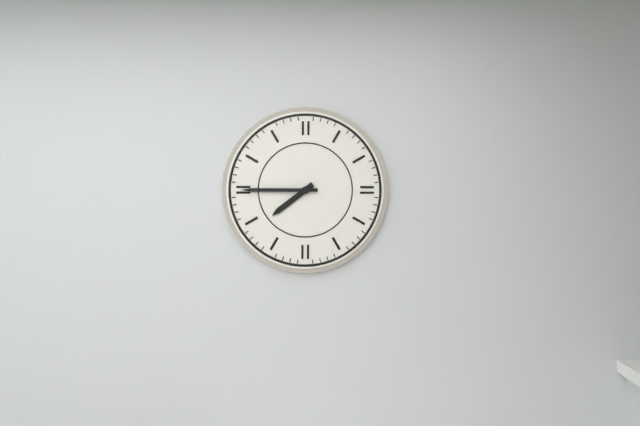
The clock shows 7.45
